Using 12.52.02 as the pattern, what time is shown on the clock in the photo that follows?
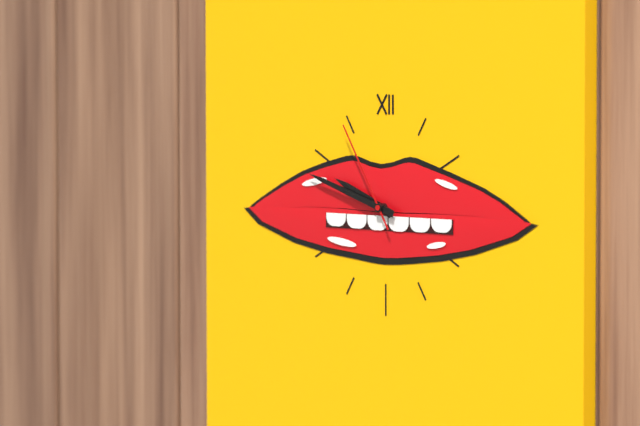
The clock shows 9.48.55
